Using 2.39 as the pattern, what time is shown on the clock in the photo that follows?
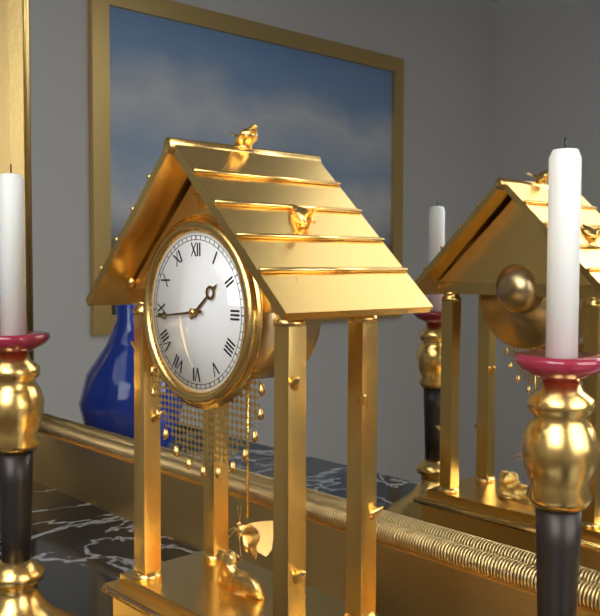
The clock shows 1.44
